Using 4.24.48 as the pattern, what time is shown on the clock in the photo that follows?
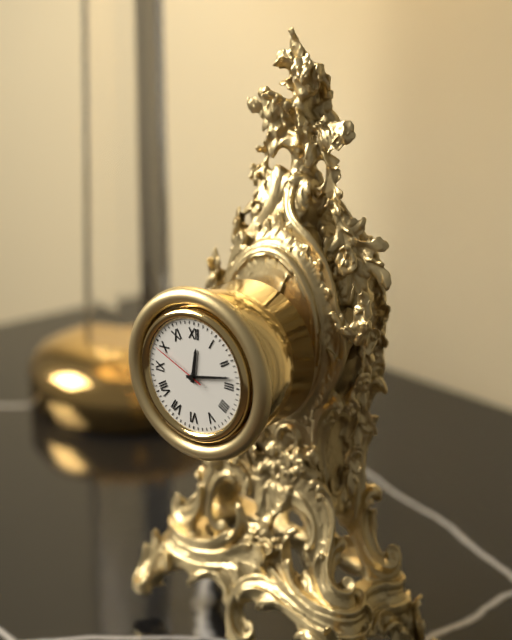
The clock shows 12.13.49
